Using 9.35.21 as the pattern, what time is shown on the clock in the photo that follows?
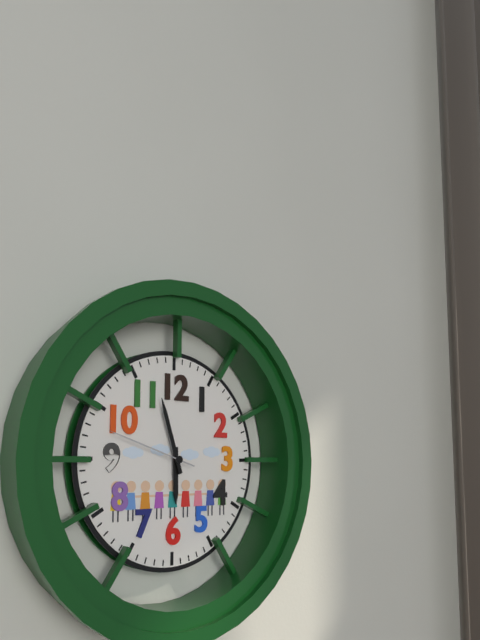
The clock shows 5.57.48
